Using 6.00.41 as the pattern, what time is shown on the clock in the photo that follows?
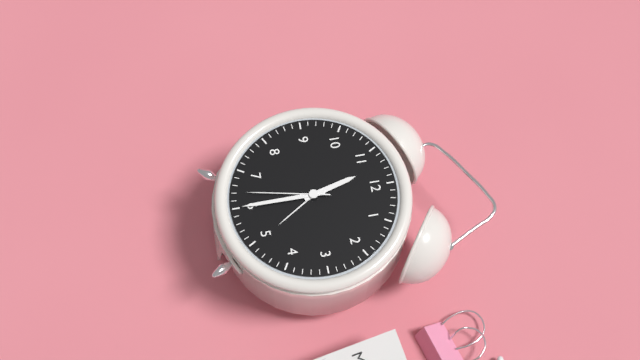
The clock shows 11.30.32
